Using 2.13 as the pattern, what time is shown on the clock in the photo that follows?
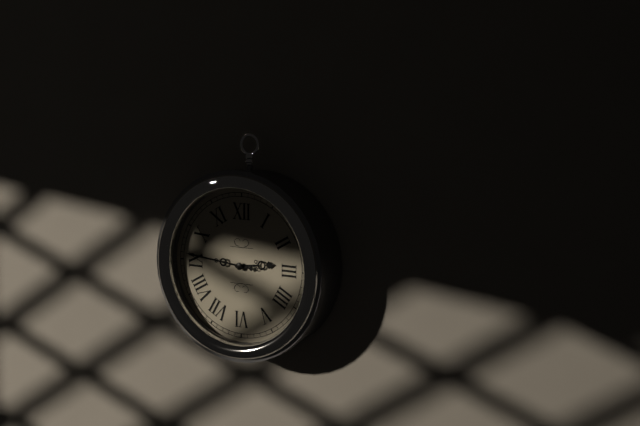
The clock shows 2.46
